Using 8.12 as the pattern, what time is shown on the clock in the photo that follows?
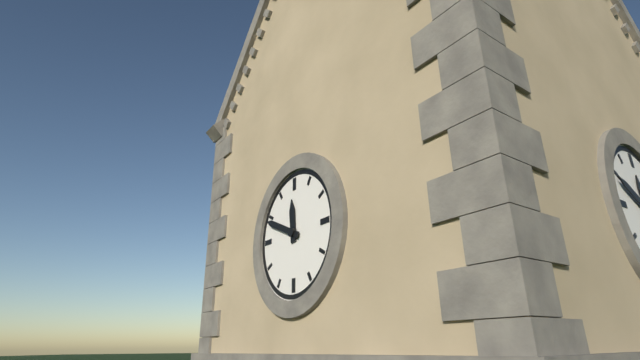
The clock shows 11.49
